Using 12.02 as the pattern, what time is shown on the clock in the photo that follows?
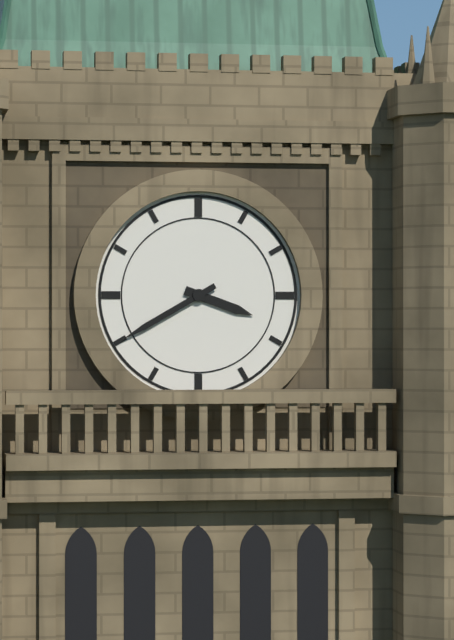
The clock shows 3.40
